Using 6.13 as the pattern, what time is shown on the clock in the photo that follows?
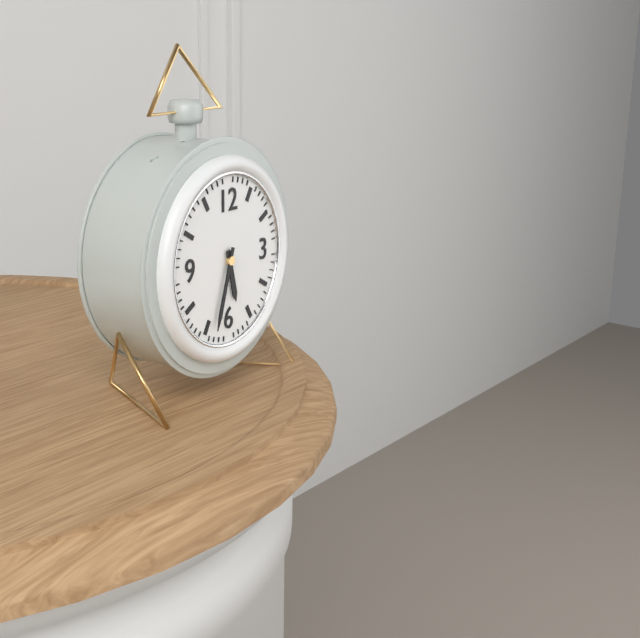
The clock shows 5.33
